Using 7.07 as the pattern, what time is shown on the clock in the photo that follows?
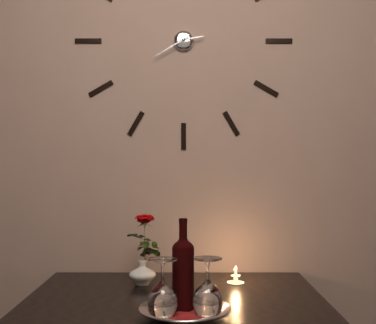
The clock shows 2.40
